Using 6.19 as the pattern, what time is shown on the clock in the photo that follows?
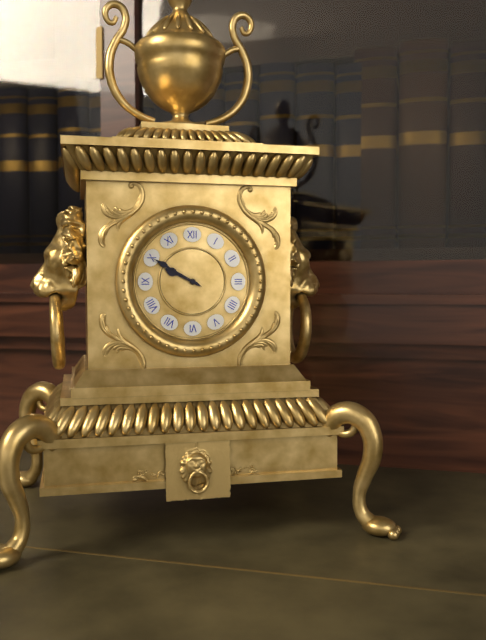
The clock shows 9.50
